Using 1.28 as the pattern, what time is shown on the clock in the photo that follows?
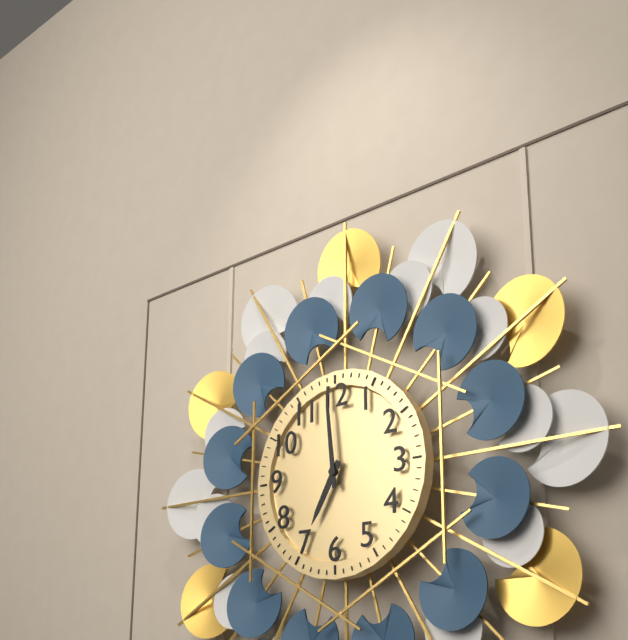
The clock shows 6.59
